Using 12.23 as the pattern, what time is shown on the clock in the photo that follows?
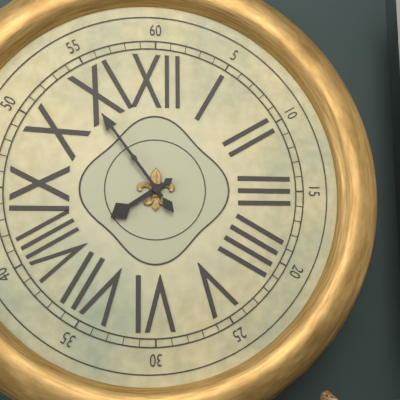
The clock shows 7.54
